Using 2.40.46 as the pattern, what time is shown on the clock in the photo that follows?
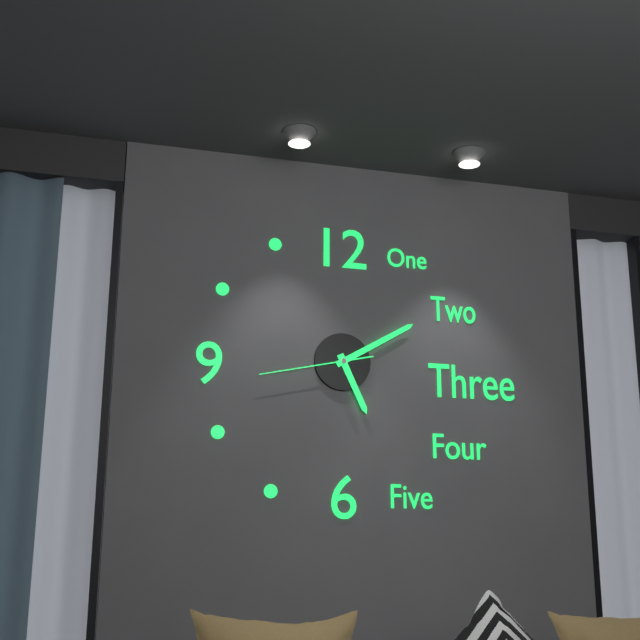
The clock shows 5.10.43
